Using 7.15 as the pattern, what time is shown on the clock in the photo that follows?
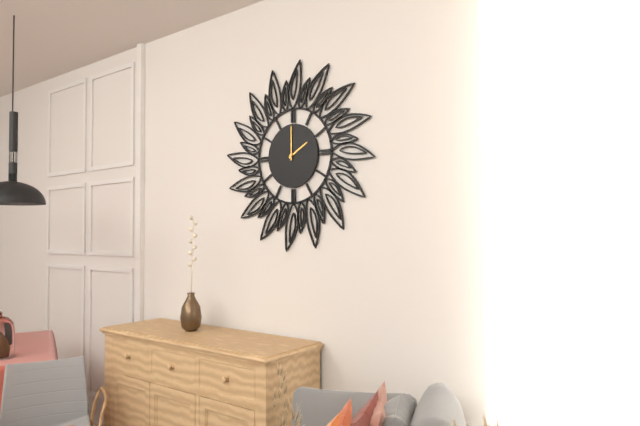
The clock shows 2.00
